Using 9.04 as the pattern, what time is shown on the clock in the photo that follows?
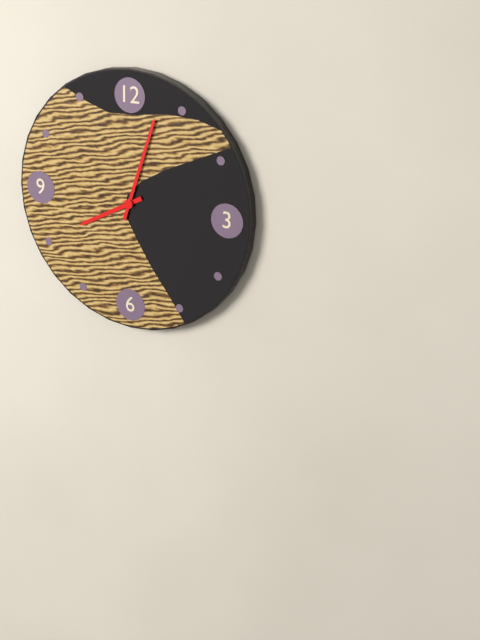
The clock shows 8.03
